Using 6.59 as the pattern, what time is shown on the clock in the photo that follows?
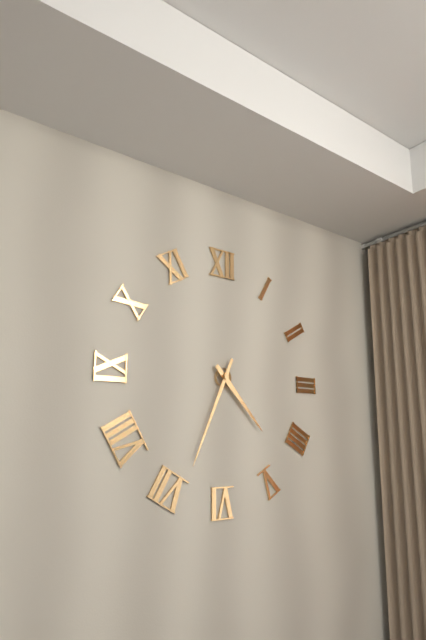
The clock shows 4.34
